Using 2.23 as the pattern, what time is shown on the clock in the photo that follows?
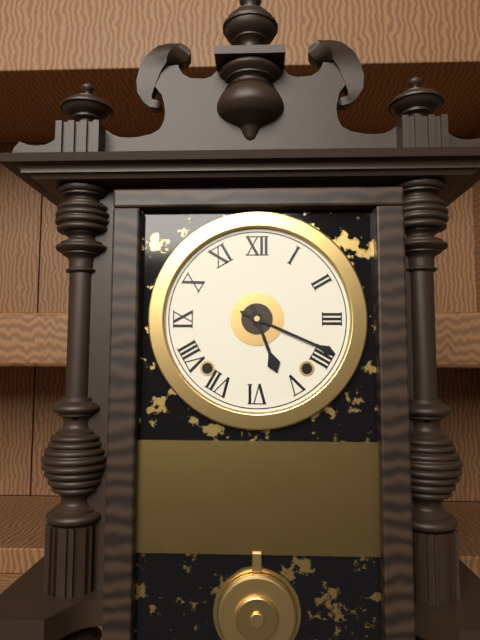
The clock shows 5.19
